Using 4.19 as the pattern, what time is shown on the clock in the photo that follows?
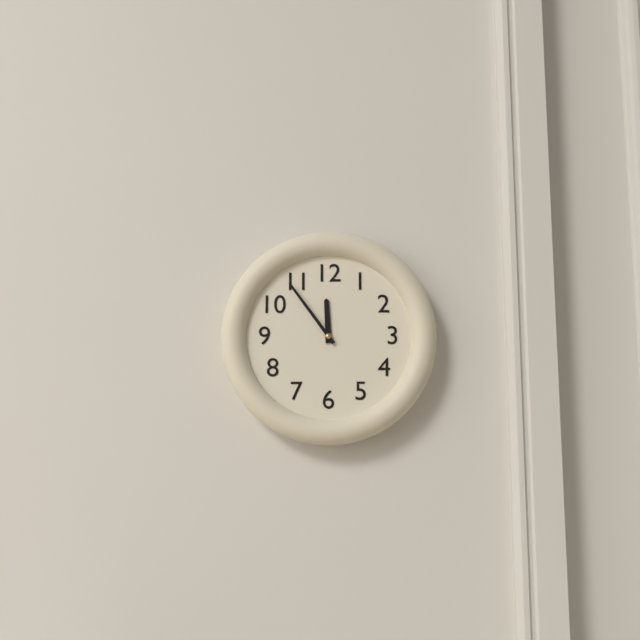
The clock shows 11.54
